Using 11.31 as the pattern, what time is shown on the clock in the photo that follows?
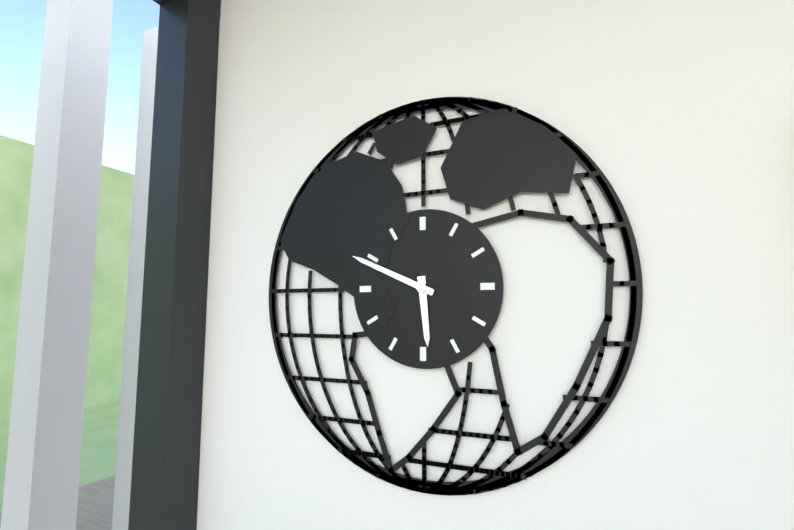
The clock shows 5.49
